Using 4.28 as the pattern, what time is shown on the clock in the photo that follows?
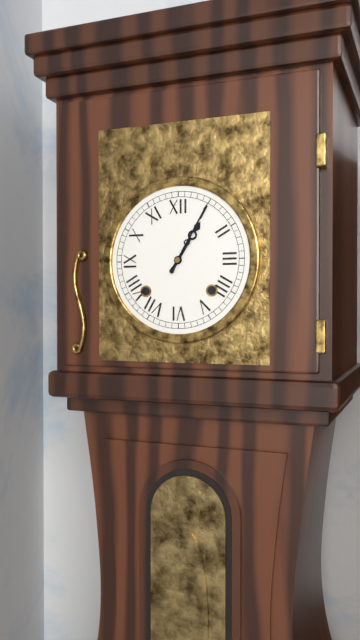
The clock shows 1.05
